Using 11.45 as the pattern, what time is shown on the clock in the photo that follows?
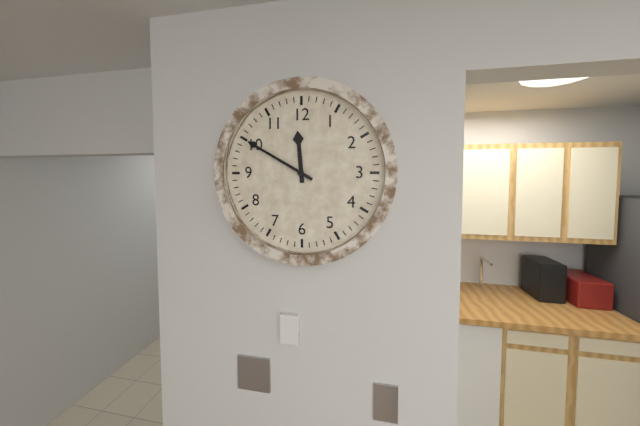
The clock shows 11.50
